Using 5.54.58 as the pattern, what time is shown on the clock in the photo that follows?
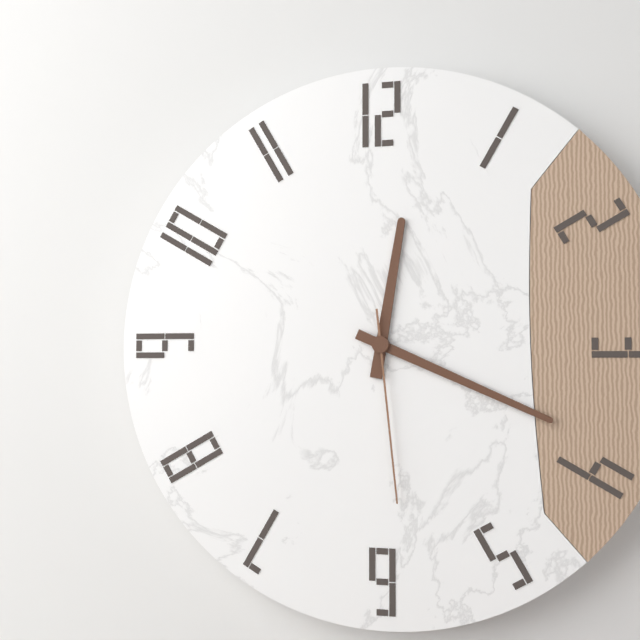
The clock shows 12.19.29
